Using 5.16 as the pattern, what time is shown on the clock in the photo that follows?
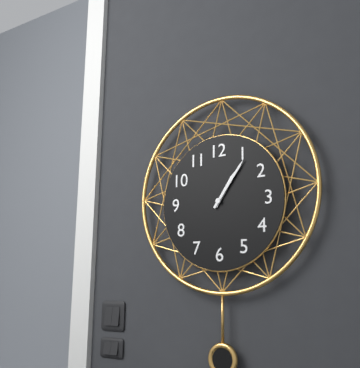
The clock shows 1.06
